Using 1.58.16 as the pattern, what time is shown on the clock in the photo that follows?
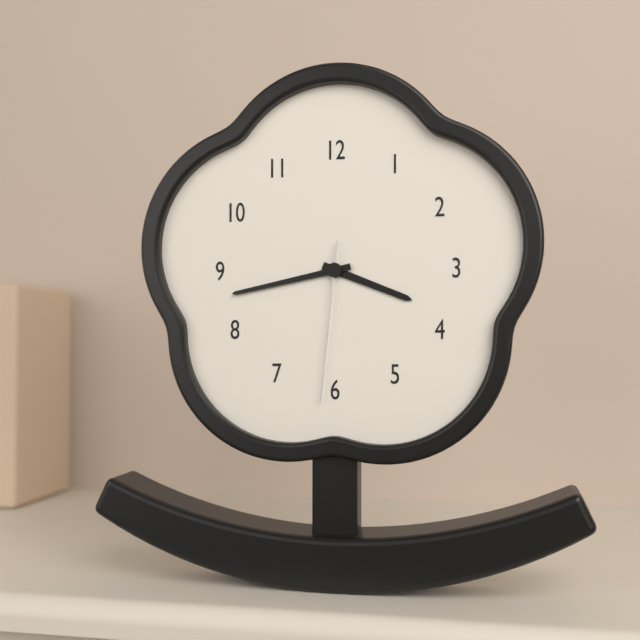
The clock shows 3.43.31
